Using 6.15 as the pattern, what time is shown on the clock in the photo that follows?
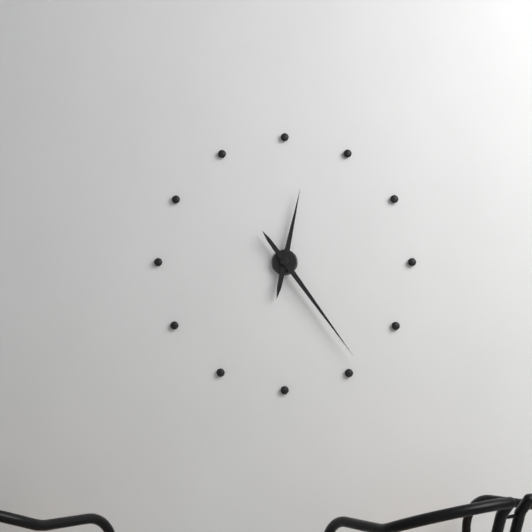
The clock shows 12.24
